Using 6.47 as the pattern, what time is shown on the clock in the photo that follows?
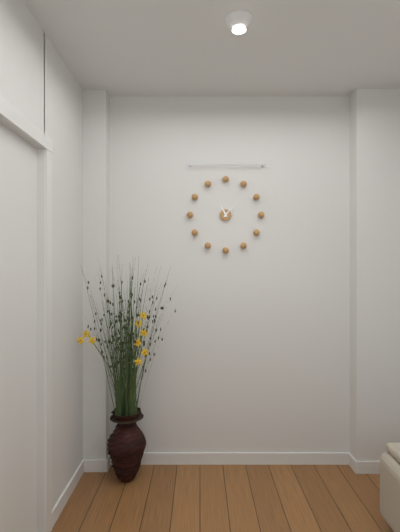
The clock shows 11.07
